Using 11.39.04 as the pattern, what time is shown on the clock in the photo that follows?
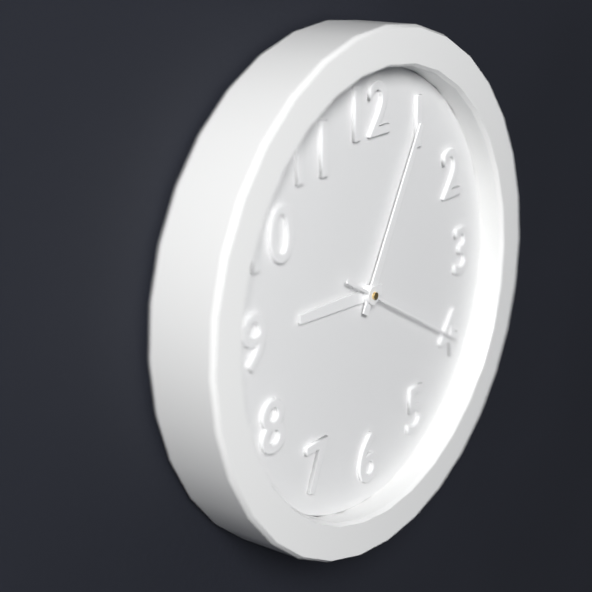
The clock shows 9.05.20
